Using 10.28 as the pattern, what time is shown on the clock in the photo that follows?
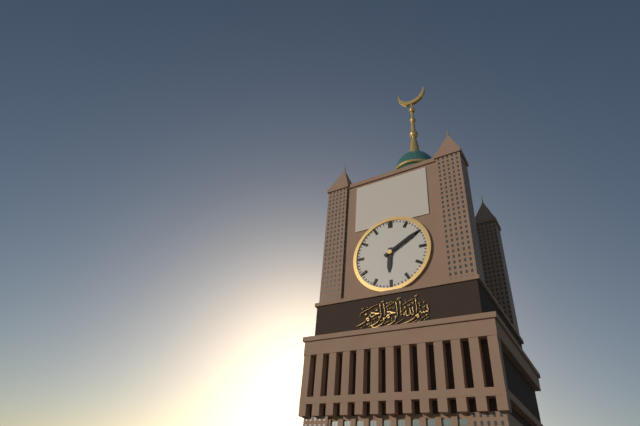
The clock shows 6.10
